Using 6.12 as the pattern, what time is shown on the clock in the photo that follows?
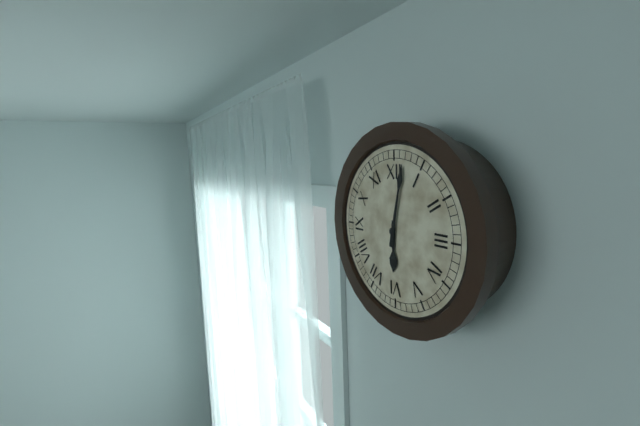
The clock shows 6.02
